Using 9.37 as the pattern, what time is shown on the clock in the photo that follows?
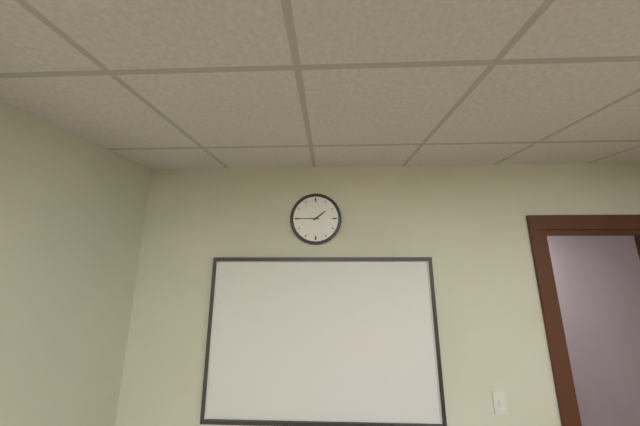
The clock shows 1.45
